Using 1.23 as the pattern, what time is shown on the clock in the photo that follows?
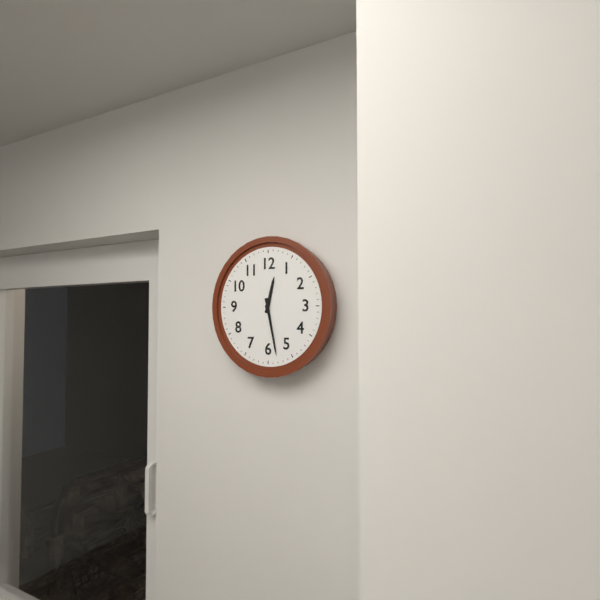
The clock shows 12.28
